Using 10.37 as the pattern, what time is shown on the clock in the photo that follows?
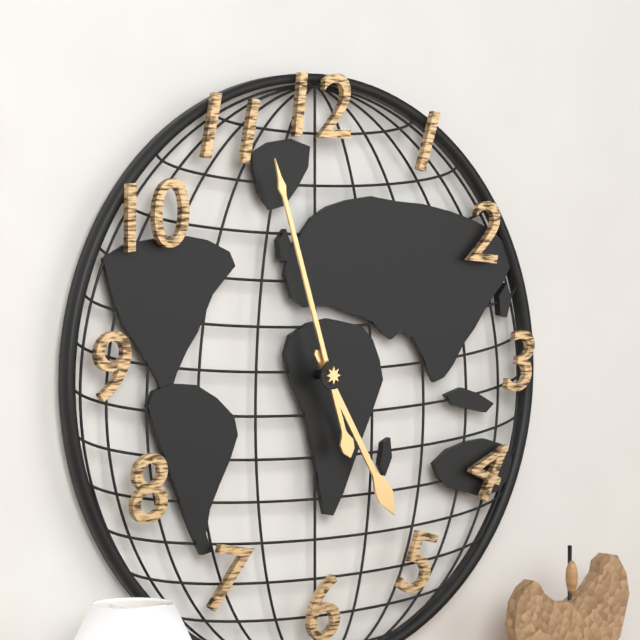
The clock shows 4.57
